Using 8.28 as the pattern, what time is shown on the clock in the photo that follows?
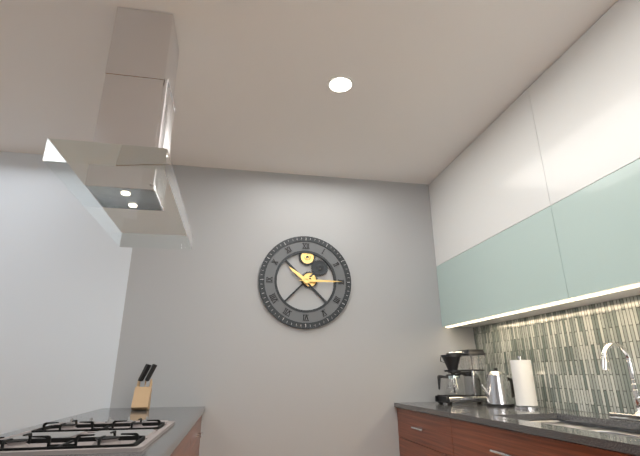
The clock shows 10.15
